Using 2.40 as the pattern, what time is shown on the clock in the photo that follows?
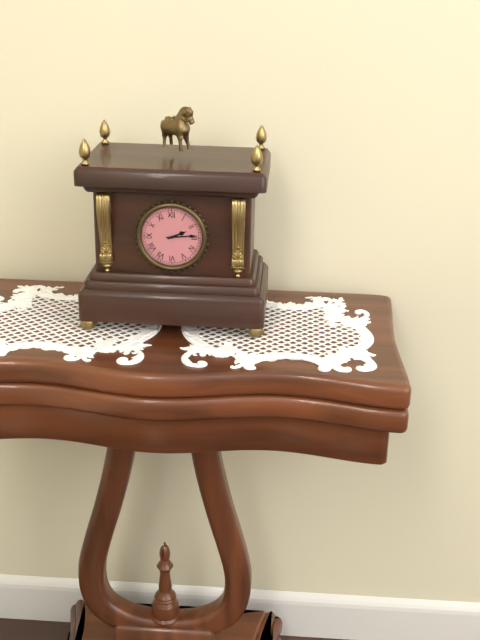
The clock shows 2.14
